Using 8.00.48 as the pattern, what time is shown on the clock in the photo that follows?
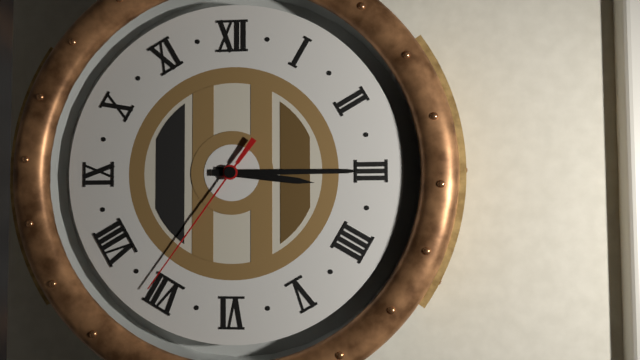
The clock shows 3.15.36
